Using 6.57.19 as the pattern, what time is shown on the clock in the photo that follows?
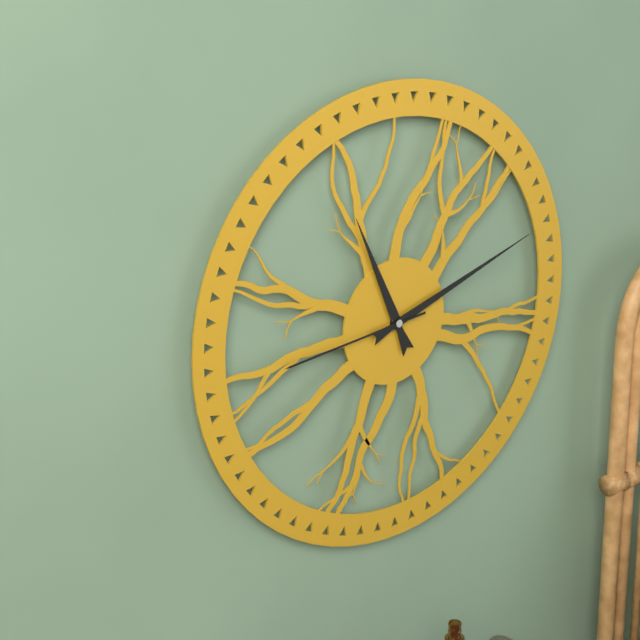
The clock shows 11.12.44
